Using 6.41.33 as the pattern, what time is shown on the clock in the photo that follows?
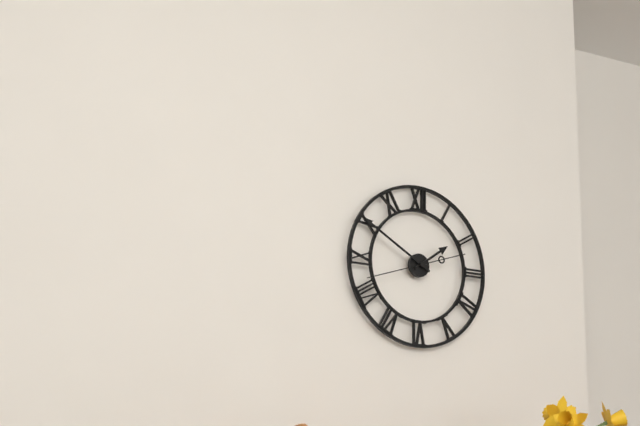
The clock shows 1.50.42
